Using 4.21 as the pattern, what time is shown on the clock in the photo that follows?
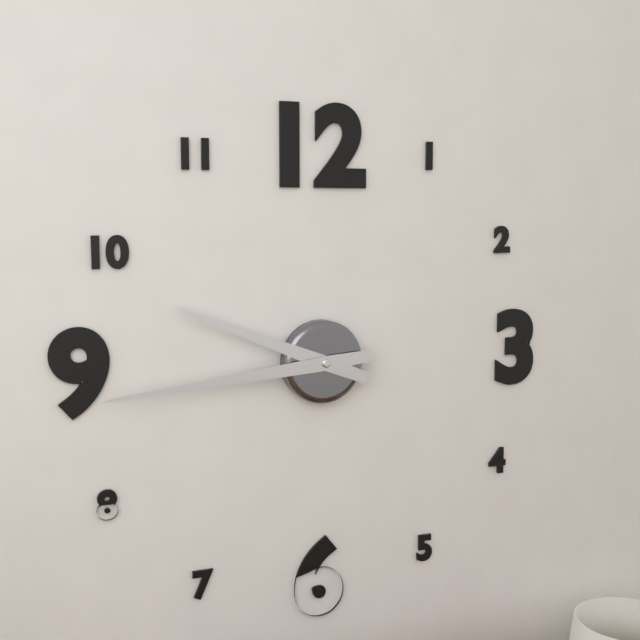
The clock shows 9.44
